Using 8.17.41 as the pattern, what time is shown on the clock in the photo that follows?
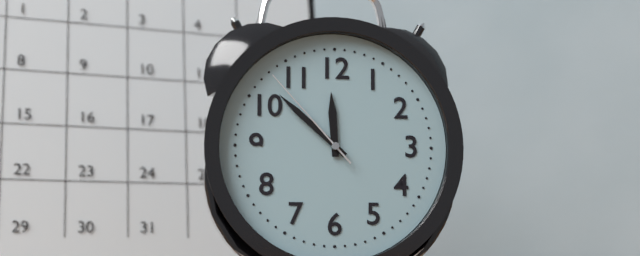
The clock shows 11.52.53
